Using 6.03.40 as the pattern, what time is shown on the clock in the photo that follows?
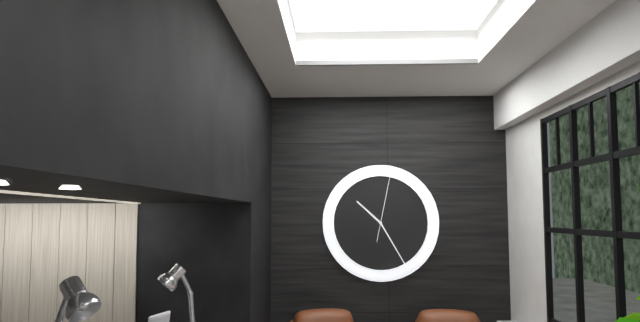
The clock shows 10.25.02
